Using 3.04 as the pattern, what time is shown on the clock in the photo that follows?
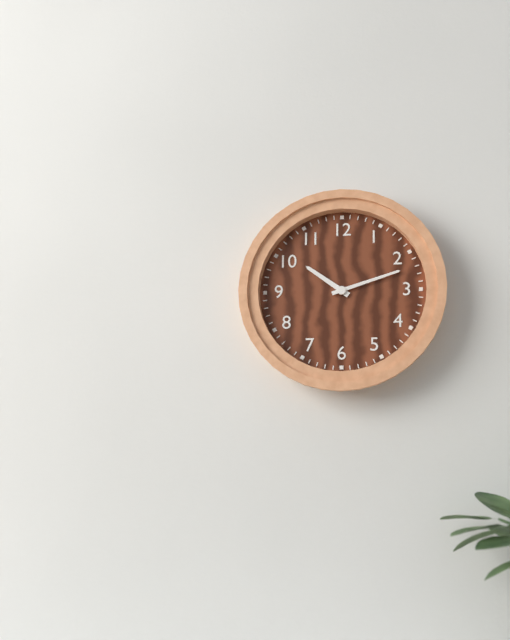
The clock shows 10.12
